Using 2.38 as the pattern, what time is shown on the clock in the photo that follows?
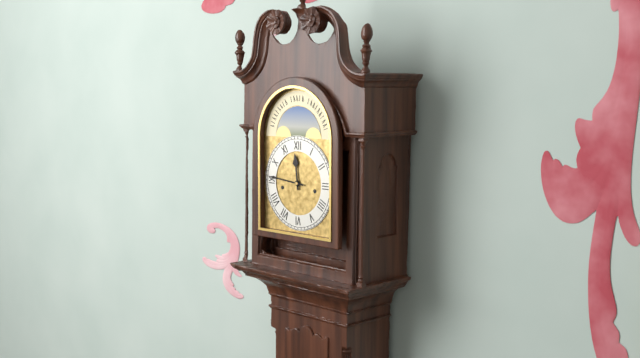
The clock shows 11.46
